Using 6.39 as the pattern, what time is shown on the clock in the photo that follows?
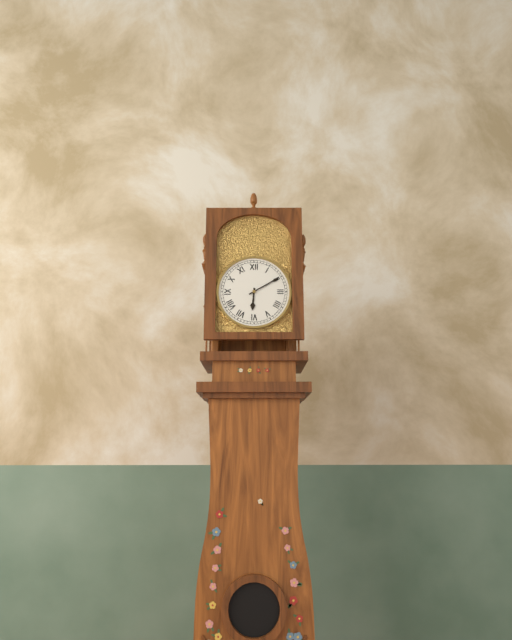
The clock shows 6.10
